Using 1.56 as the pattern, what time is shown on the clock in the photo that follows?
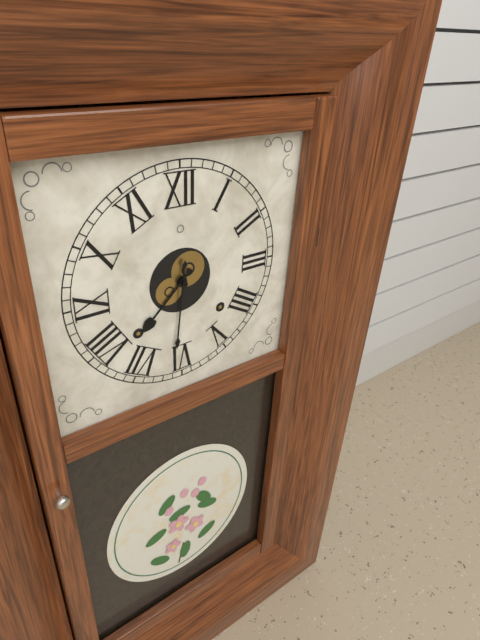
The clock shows 7.31
